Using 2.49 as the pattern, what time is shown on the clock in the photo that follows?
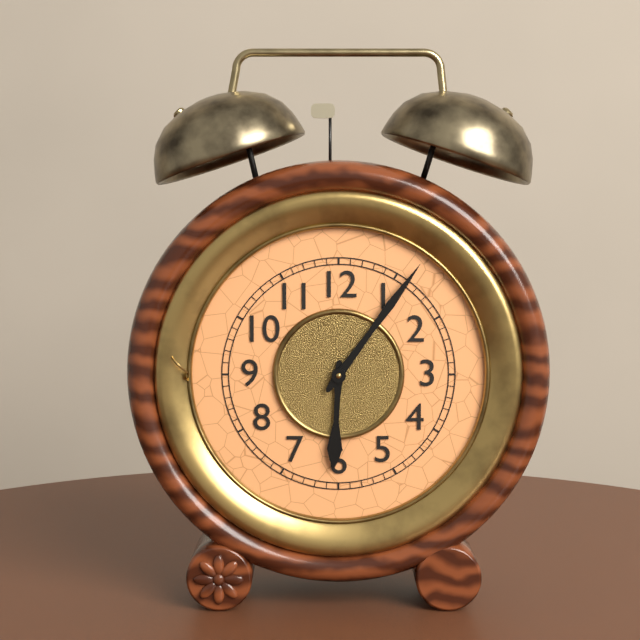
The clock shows 6.06
